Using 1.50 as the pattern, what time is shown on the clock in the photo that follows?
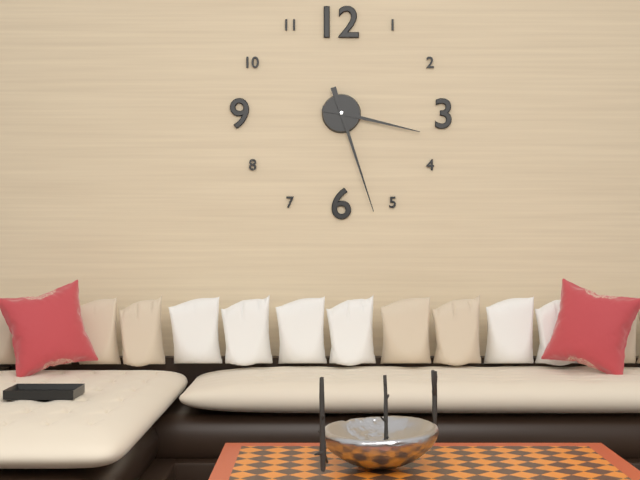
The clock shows 3.27
